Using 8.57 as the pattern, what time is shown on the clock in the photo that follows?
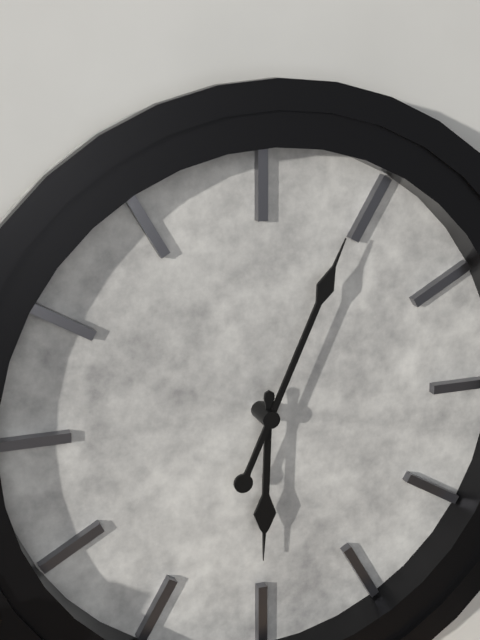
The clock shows 6.04
